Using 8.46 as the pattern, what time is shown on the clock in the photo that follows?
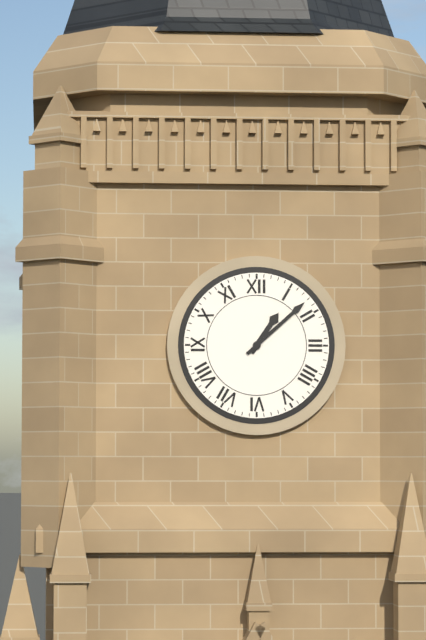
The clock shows 1.08
